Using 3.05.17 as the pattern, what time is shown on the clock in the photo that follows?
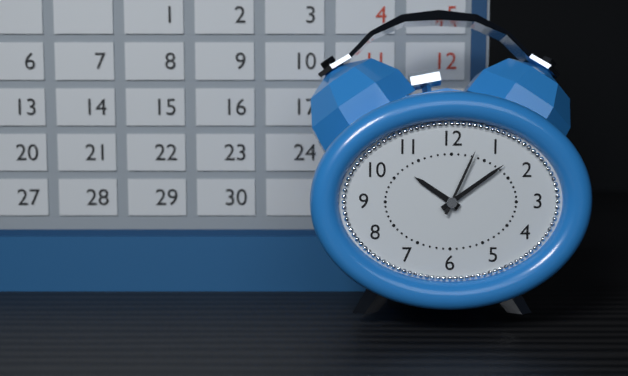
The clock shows 10.09.04
